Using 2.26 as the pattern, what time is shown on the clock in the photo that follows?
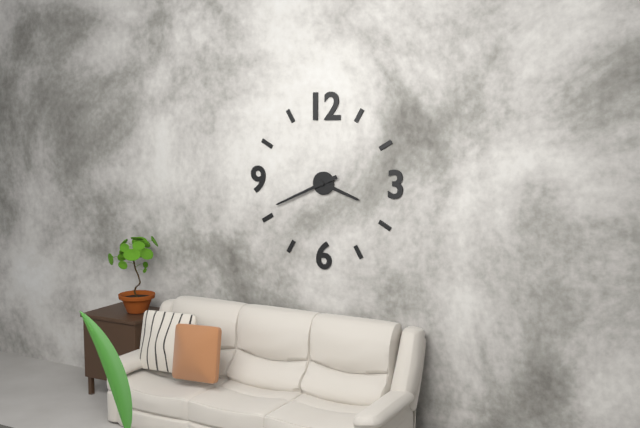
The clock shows 3.41
